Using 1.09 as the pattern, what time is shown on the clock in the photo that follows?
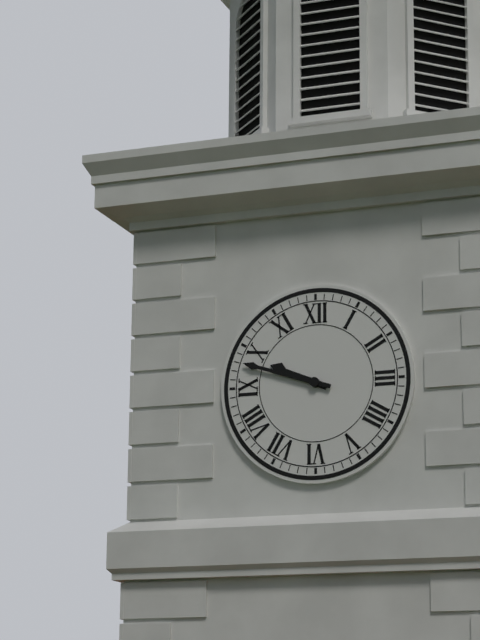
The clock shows 9.48
